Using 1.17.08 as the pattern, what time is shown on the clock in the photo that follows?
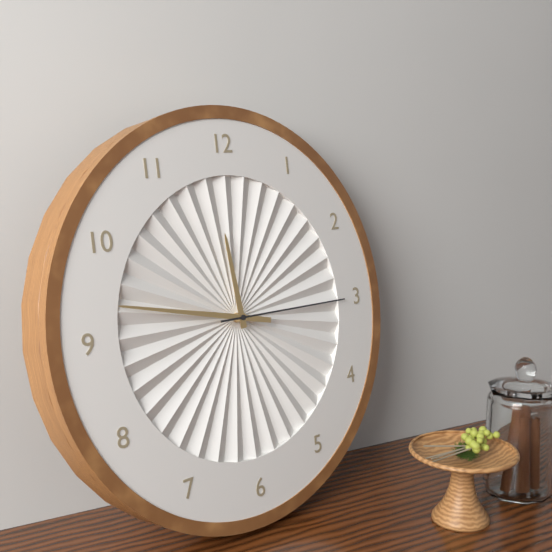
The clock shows 11.47.15
